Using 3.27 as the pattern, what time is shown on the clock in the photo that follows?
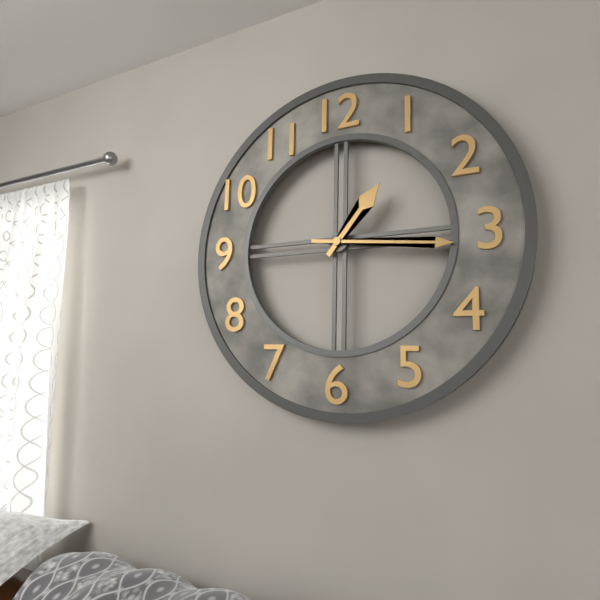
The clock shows 1.16
